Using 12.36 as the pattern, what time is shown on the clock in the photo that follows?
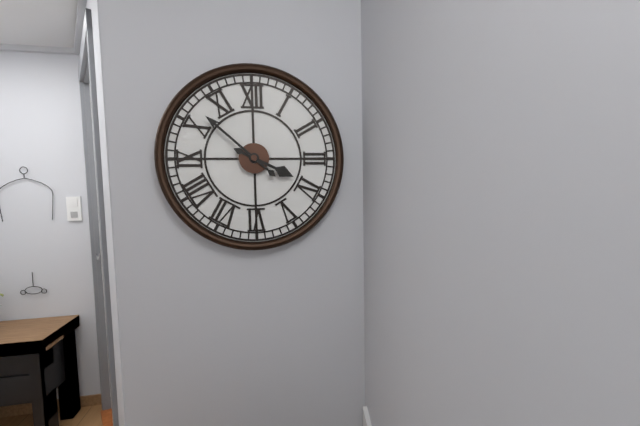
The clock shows 3.52
